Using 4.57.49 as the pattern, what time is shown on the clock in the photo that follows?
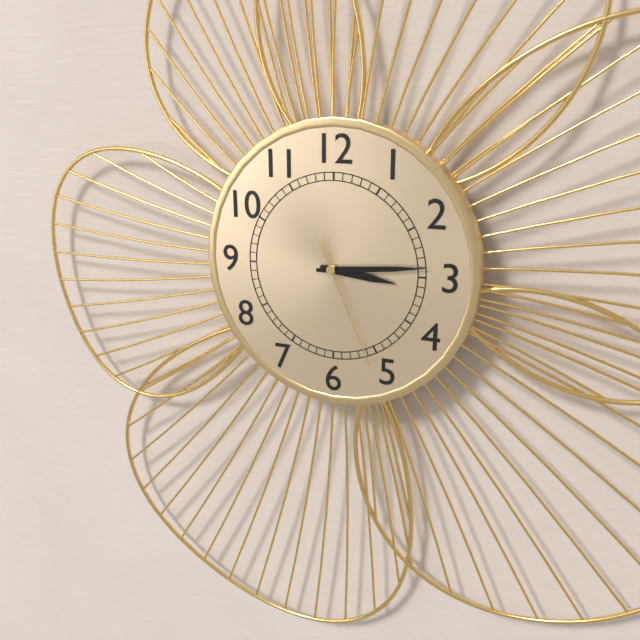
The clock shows 3.14.26
